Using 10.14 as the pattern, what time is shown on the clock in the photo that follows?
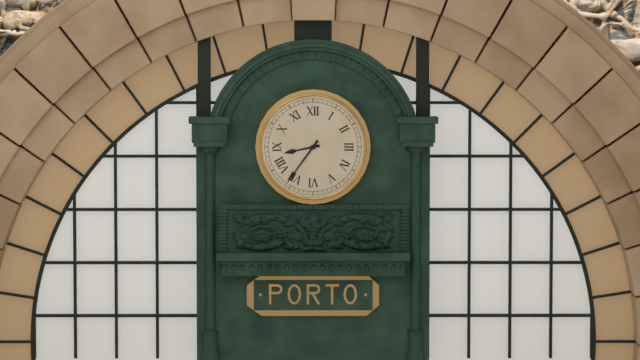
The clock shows 8.36
